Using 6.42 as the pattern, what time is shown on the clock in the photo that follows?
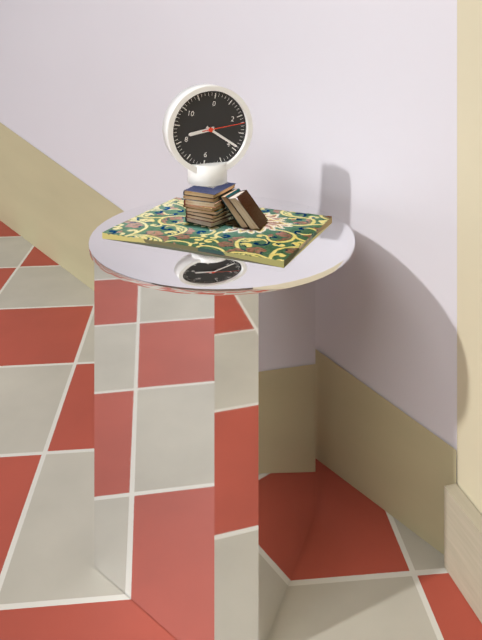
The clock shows 8.19
